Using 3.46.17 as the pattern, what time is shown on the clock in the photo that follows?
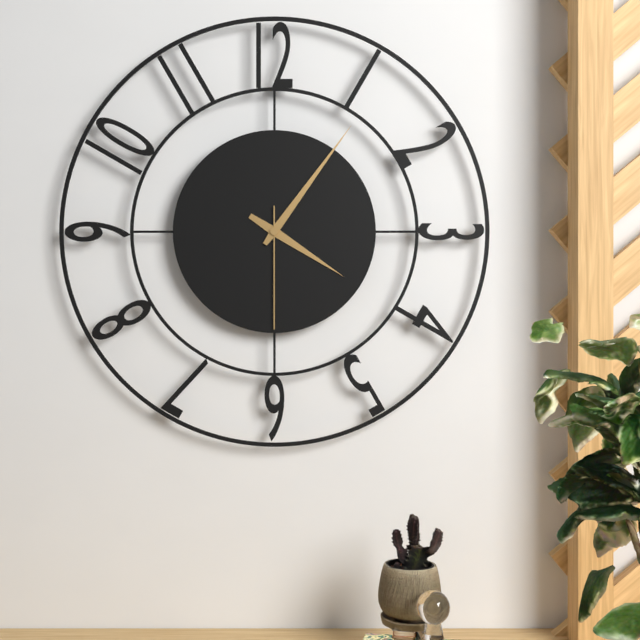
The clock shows 4.06.30
